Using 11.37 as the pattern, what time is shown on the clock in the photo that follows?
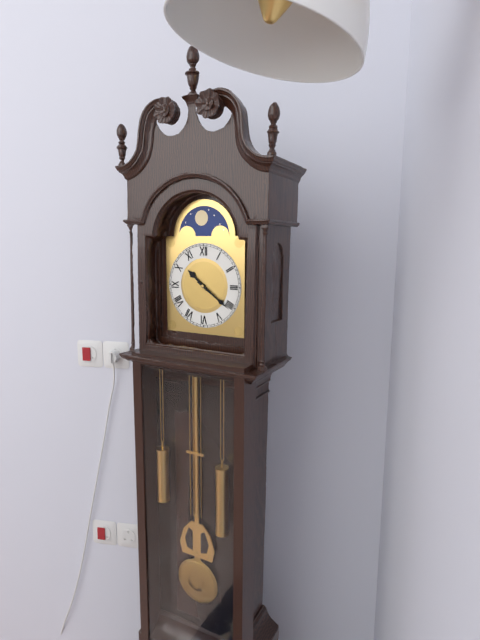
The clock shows 10.21
